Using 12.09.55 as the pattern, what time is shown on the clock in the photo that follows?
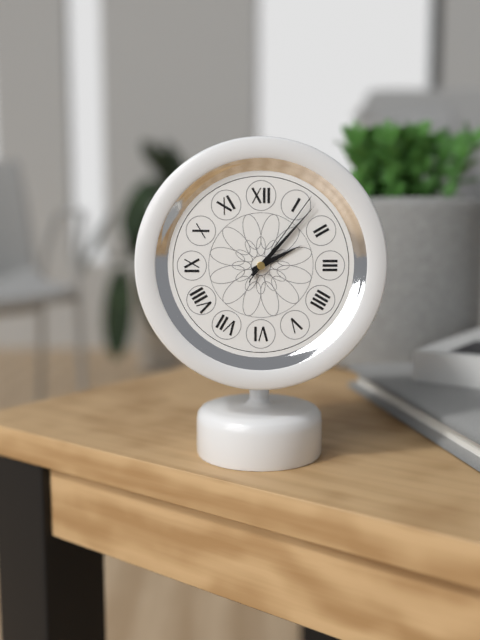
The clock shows 2.07.06
